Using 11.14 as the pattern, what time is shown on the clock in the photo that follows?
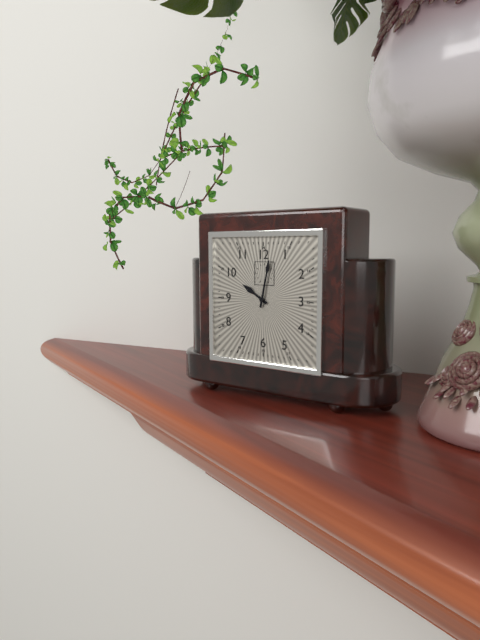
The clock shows 10.02
